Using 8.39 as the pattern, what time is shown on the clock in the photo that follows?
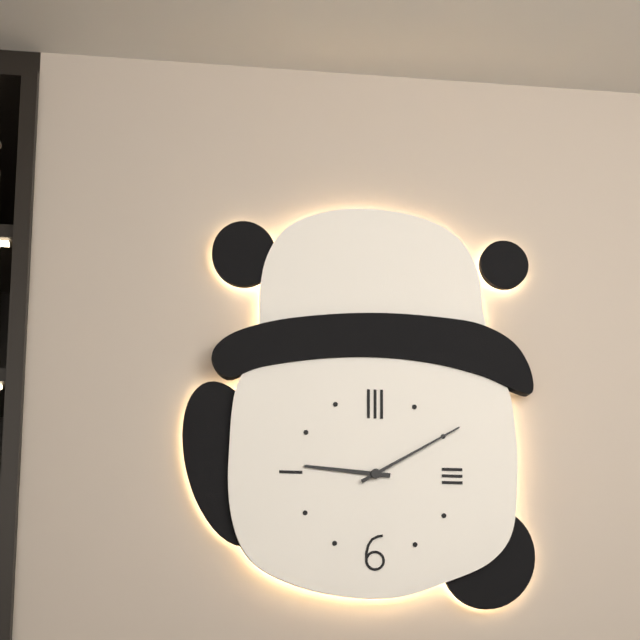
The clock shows 9.10
